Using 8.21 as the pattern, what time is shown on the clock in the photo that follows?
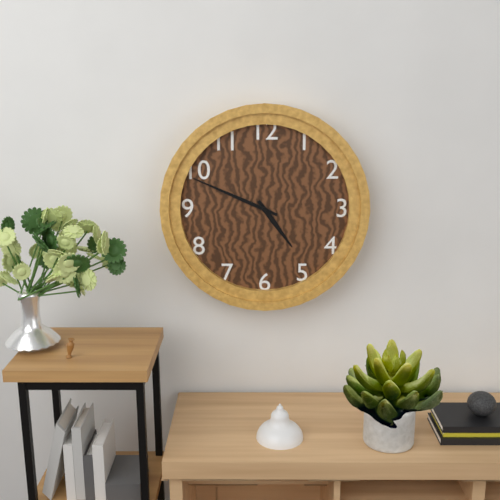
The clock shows 4.49
